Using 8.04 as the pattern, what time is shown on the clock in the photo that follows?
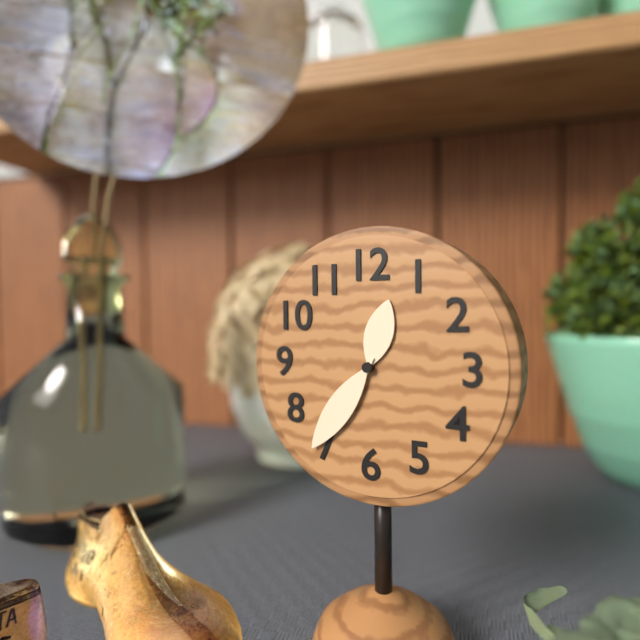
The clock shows 12.36
